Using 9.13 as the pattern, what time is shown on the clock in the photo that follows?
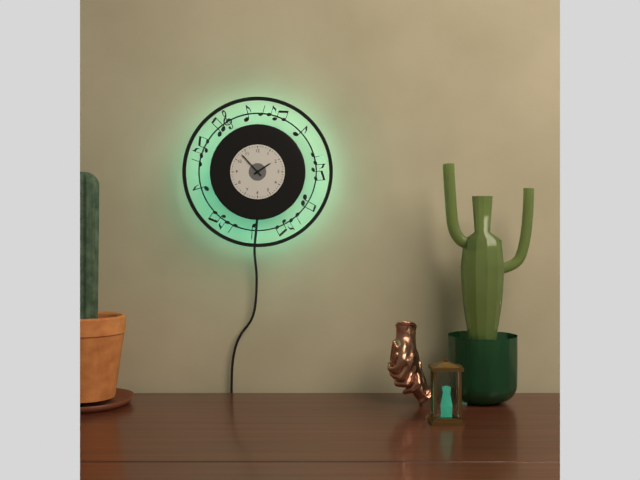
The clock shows 1.53
